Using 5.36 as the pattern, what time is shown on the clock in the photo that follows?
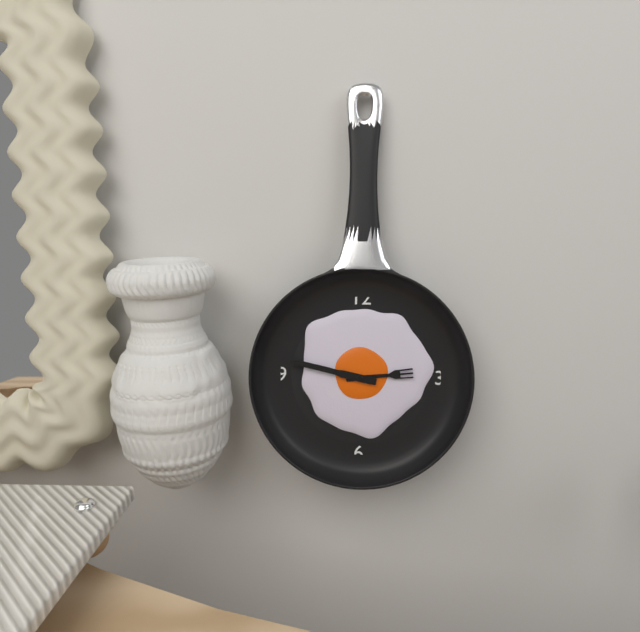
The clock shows 2.47
